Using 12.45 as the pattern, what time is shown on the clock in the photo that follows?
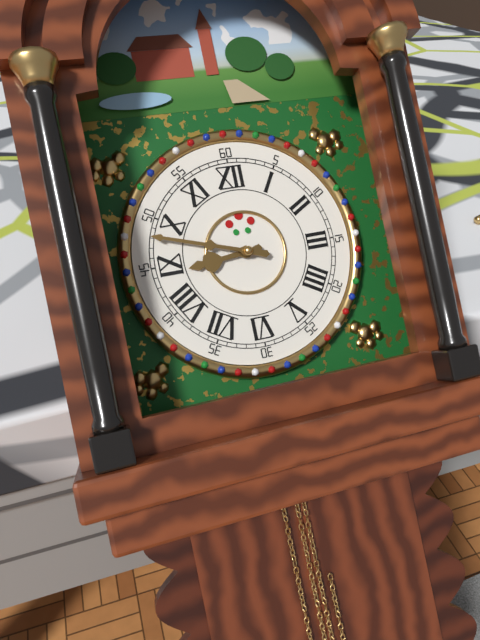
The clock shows 8.48
